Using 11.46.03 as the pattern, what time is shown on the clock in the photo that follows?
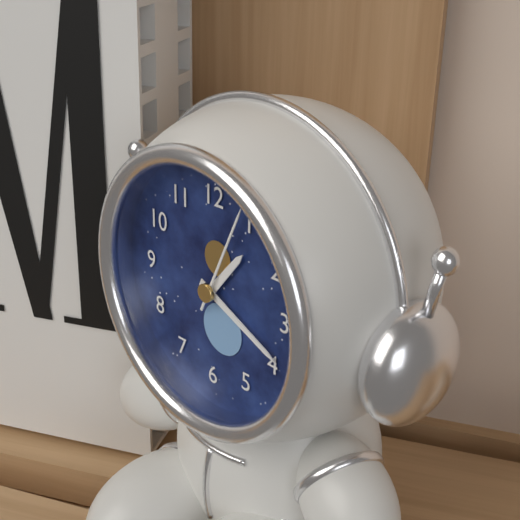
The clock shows 1.19.04
